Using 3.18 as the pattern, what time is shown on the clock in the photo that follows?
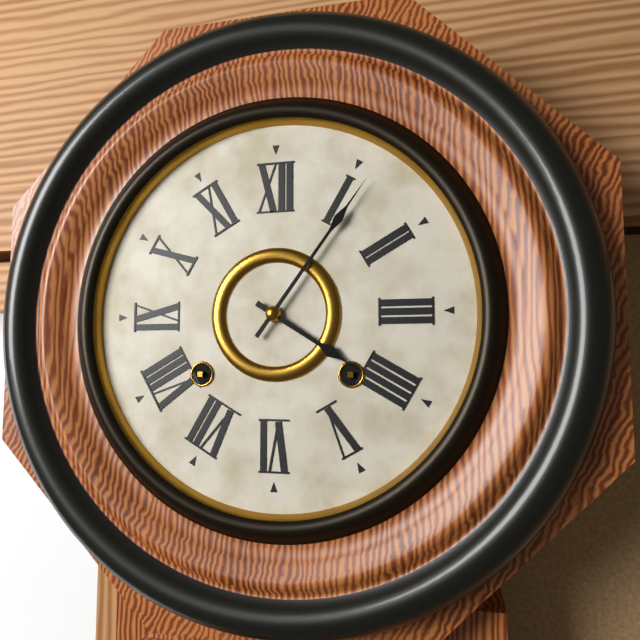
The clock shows 4.06
